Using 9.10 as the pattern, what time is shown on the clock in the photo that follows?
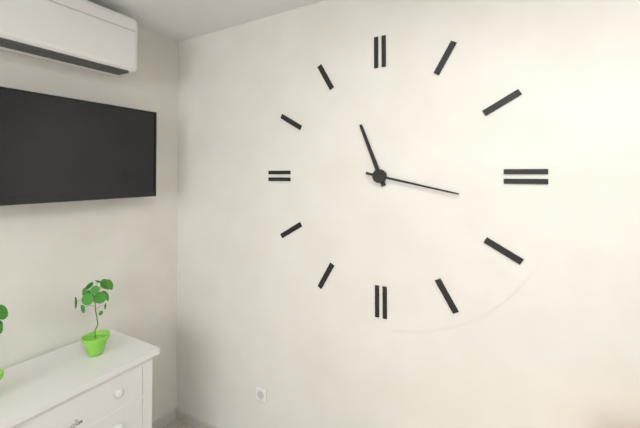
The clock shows 11.17
